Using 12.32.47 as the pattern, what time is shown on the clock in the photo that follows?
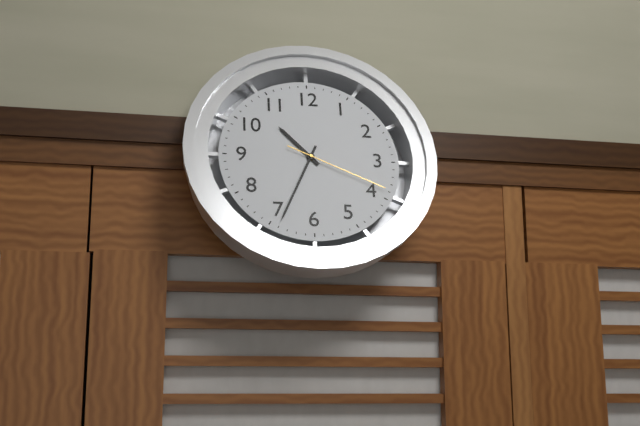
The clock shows 10.34.19
